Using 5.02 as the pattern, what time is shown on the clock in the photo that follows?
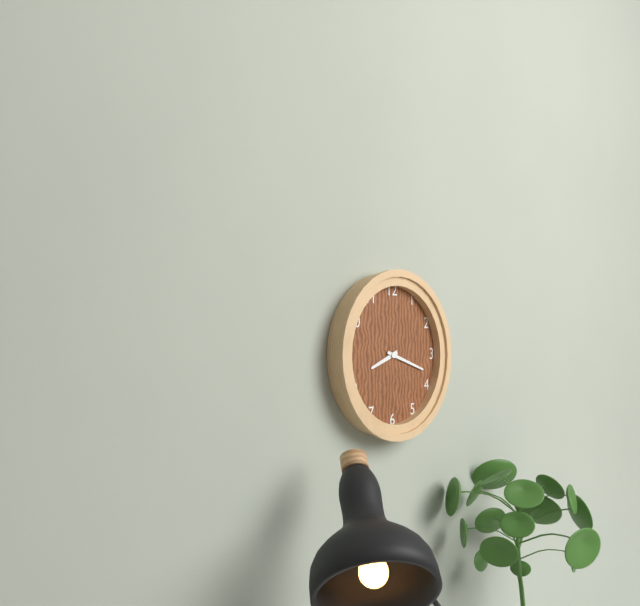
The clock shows 8.18
